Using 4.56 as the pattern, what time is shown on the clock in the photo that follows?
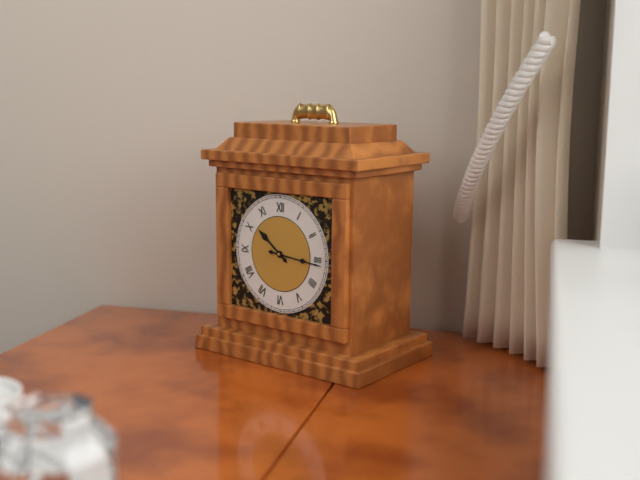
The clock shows 10.16
